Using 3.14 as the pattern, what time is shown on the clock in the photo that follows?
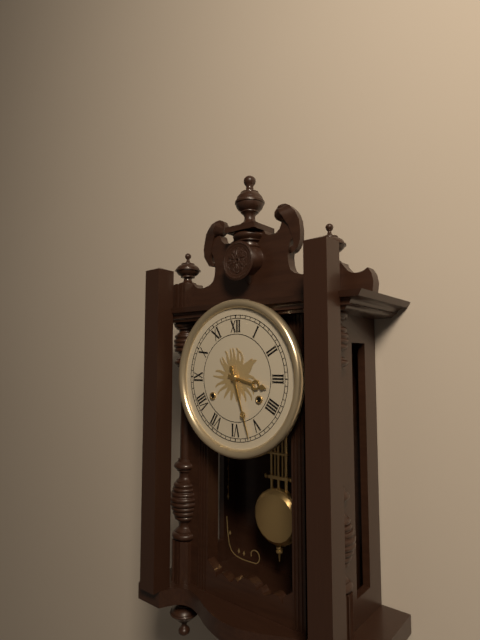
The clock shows 3.27
